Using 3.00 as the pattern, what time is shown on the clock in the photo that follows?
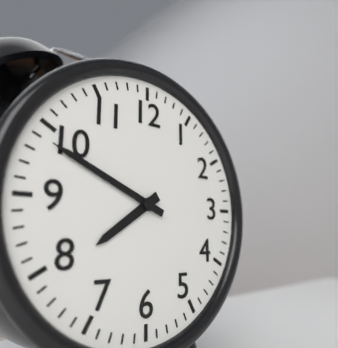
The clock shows 7.49
